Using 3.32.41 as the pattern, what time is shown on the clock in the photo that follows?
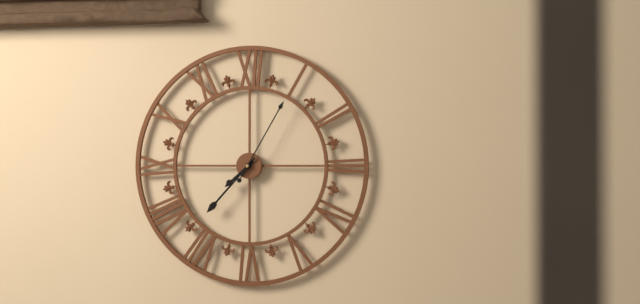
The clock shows 7.37.05
